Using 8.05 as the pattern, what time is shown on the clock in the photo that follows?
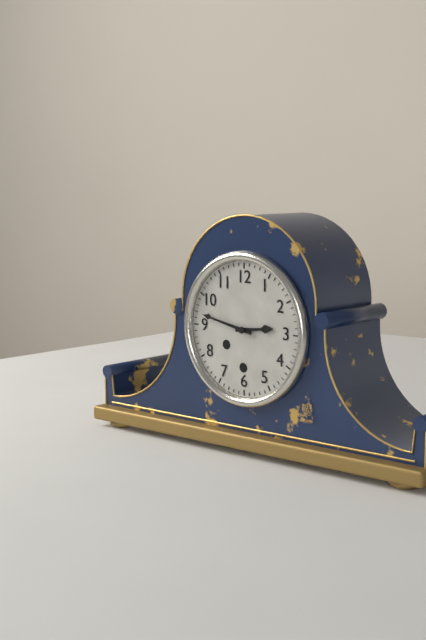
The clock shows 2.47
